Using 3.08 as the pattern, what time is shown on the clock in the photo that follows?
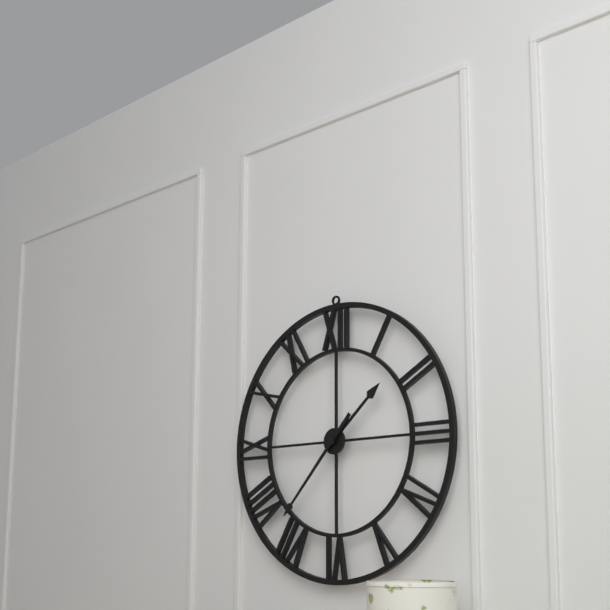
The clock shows 1.37
